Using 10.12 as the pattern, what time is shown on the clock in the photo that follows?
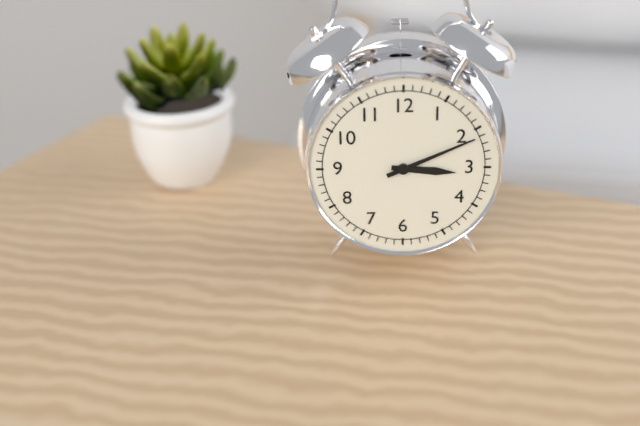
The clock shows 3.11
